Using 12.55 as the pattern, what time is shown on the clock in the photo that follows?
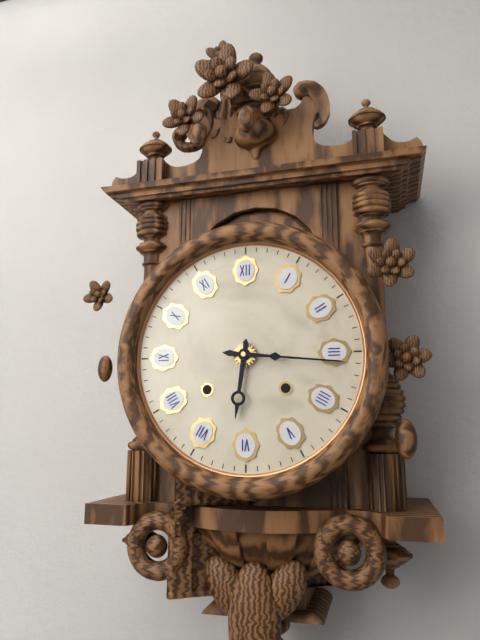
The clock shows 6.16
